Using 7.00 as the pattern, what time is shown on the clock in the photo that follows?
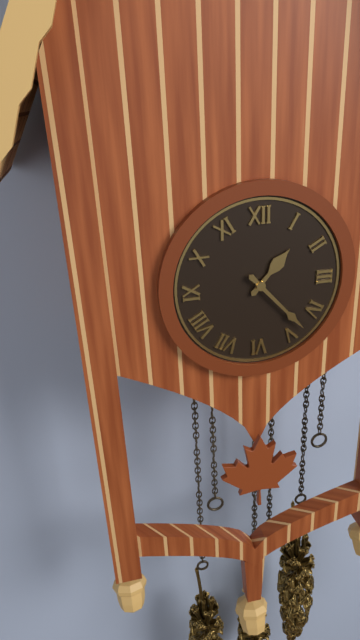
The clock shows 1.23
